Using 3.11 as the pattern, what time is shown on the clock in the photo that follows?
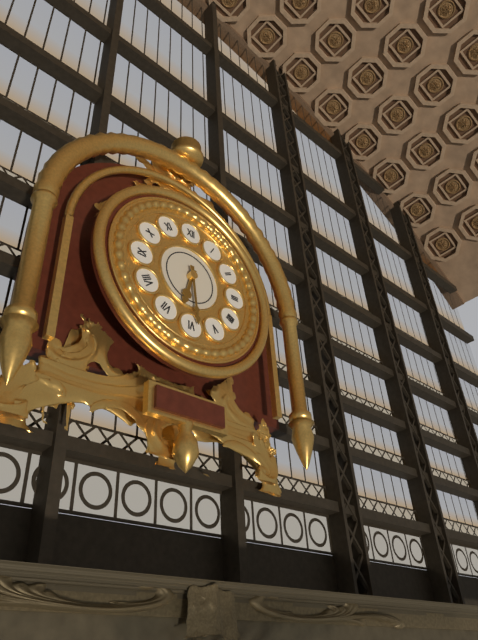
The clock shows 6.29
